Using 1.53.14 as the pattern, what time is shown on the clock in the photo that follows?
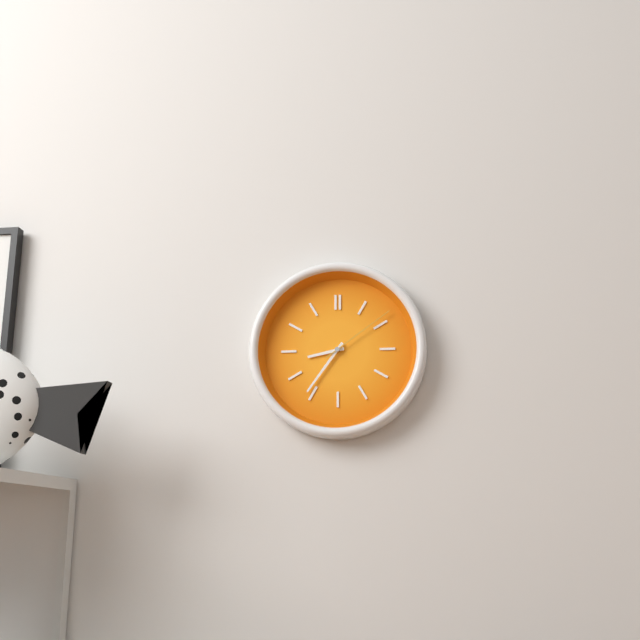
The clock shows 8.36.09
